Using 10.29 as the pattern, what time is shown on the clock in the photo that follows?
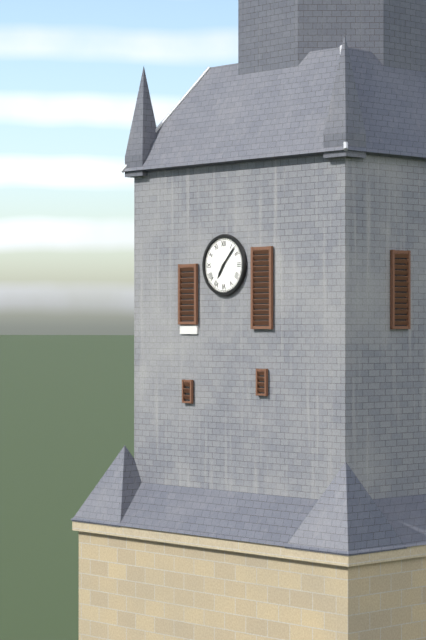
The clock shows 7.07
